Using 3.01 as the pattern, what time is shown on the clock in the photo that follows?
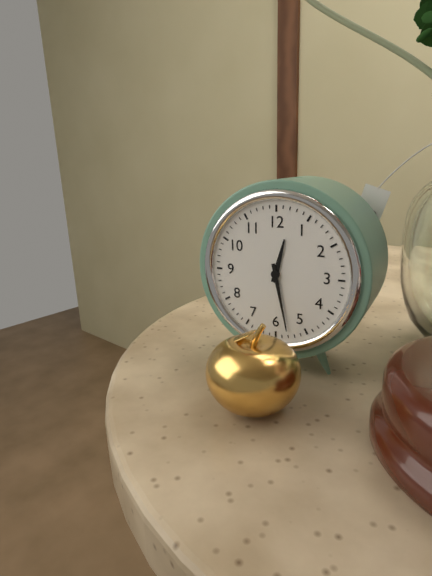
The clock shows 12.28
